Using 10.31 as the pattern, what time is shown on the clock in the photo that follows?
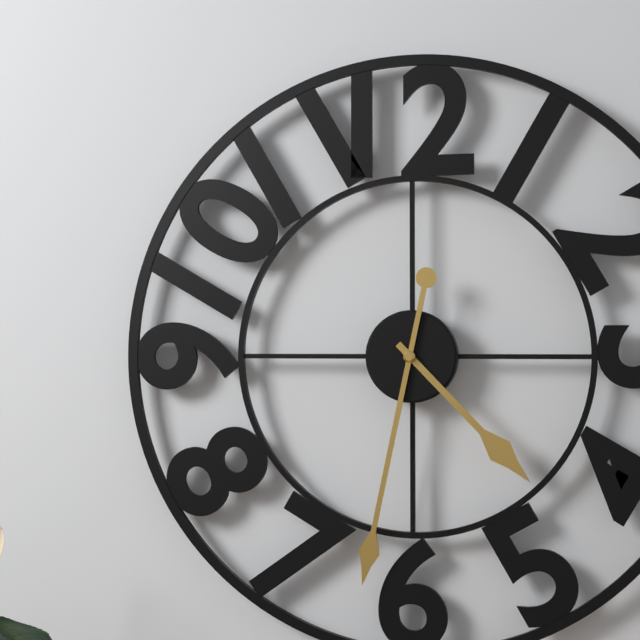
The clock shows 4.32
